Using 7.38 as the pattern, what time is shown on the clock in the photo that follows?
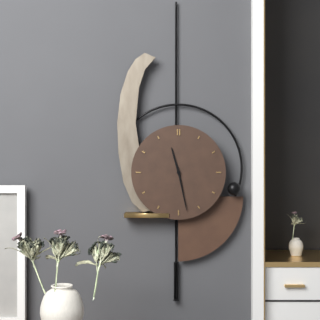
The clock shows 11.28
